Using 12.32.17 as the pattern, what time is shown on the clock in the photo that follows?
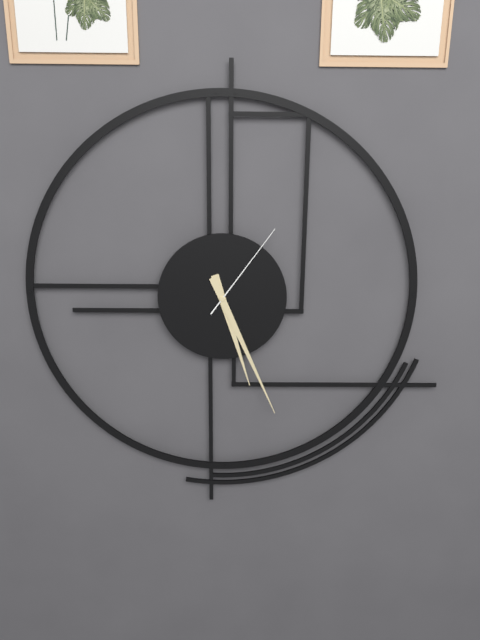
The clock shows 5.26.06
